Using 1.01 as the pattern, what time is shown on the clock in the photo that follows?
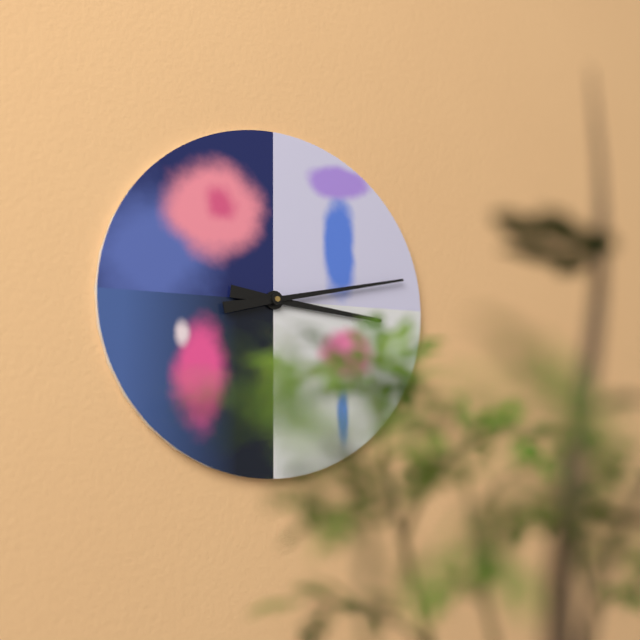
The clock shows 3.13
